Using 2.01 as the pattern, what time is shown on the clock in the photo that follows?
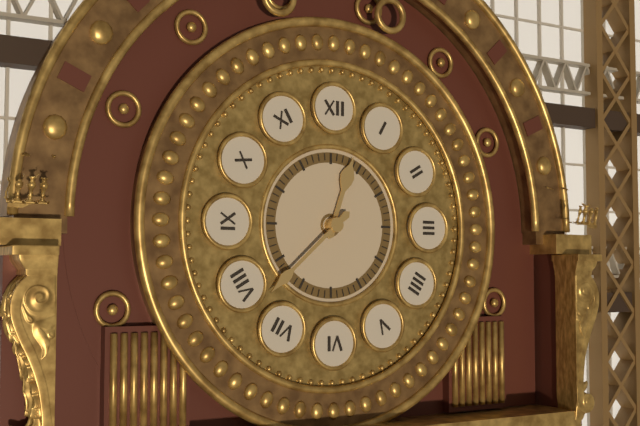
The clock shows 12.38
